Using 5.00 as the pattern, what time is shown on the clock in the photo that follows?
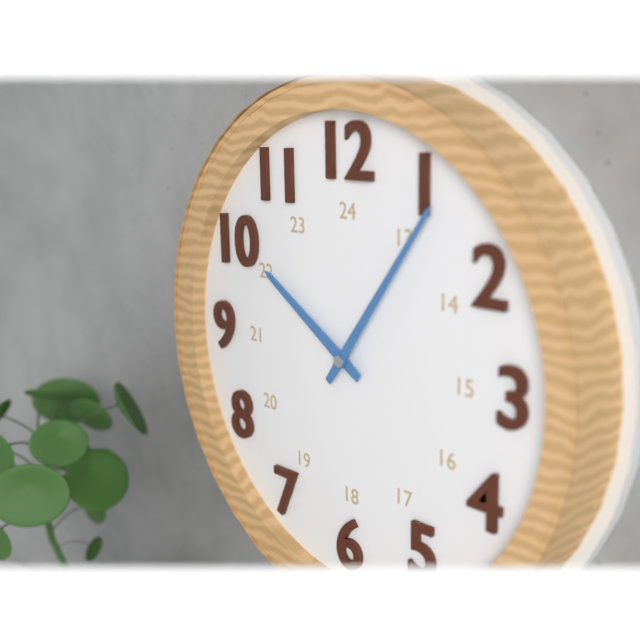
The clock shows 10.06
